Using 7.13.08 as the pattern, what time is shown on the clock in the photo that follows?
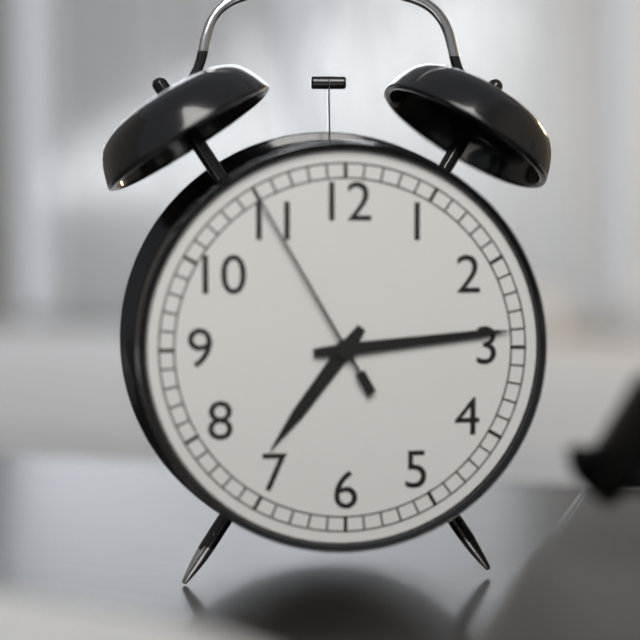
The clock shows 7.14.55
